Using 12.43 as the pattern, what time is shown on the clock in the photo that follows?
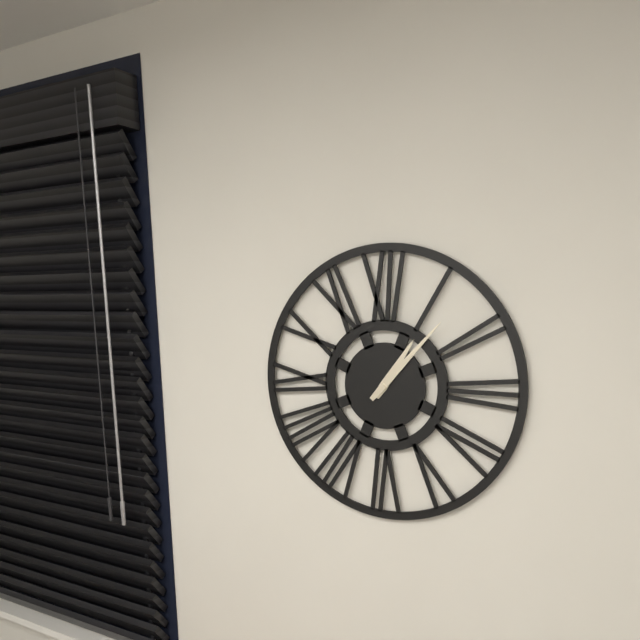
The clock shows 1.07
